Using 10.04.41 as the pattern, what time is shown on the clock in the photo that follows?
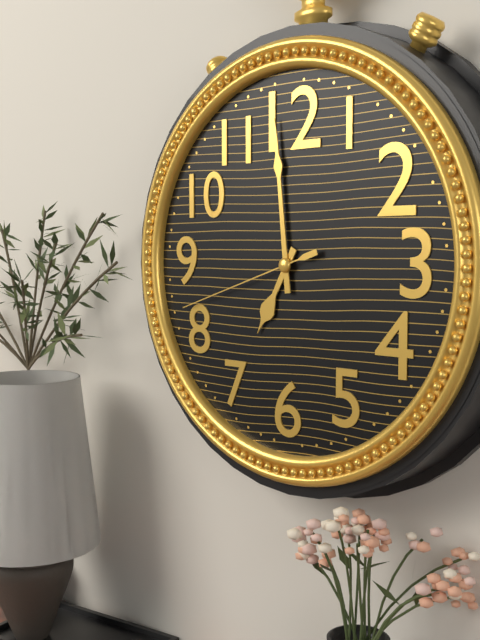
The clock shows 6.59.42
